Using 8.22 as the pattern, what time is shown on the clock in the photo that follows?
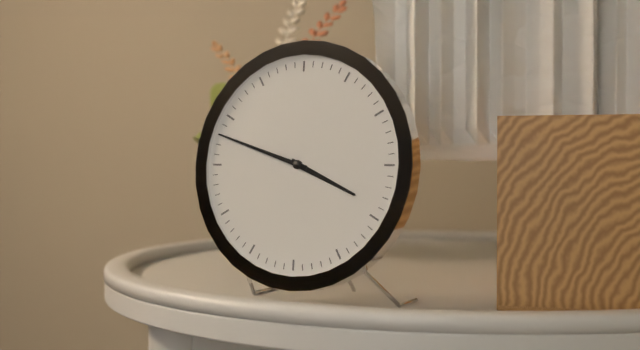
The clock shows 3.48
